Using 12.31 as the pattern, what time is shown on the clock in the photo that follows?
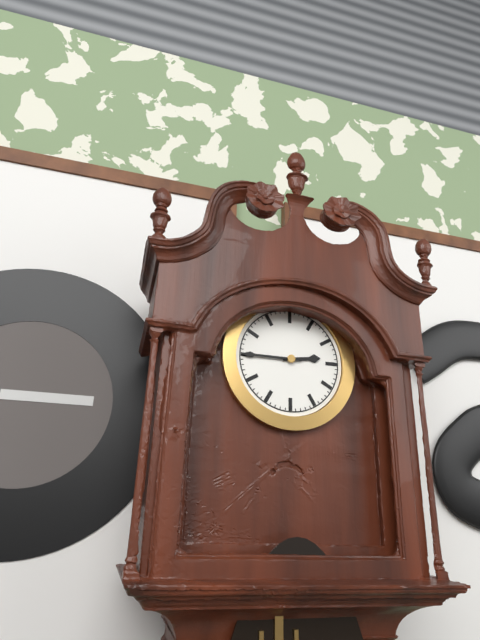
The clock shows 2.45
